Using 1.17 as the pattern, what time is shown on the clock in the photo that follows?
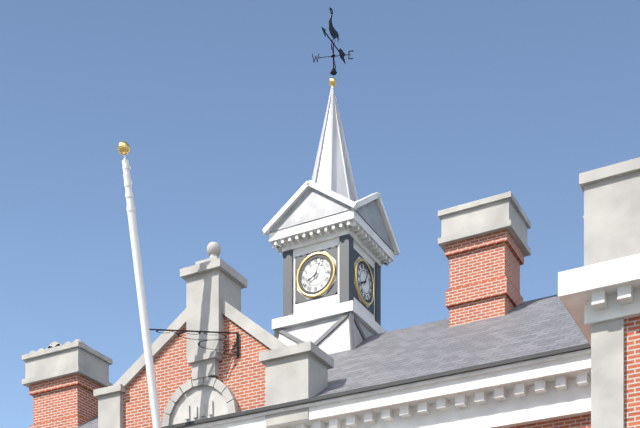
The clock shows 8.04
